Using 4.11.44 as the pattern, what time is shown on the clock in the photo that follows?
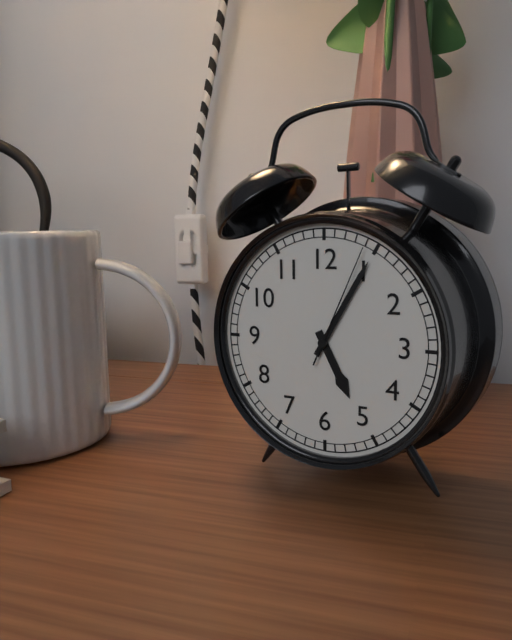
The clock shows 5.05.04
